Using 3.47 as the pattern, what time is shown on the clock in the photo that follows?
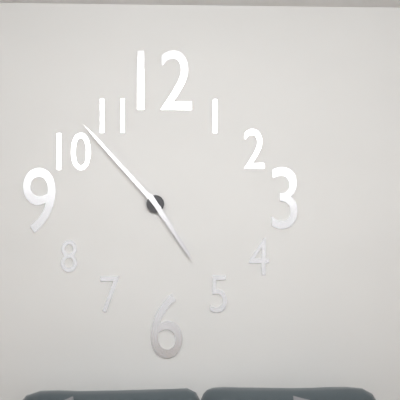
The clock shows 4.53
